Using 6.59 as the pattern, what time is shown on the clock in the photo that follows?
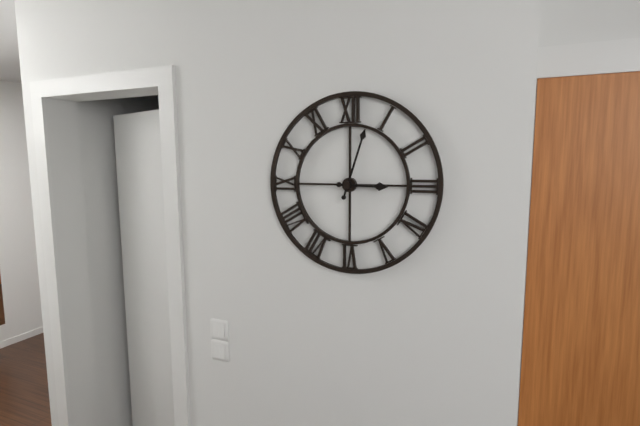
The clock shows 3.03
